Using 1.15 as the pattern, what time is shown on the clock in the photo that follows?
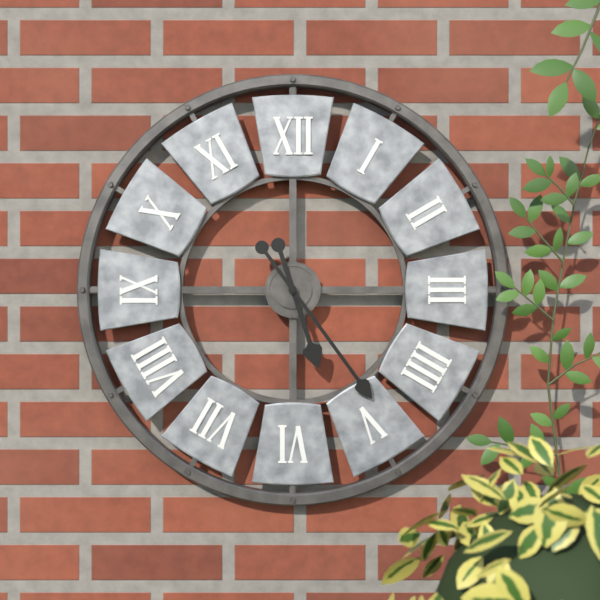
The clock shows 5.24
